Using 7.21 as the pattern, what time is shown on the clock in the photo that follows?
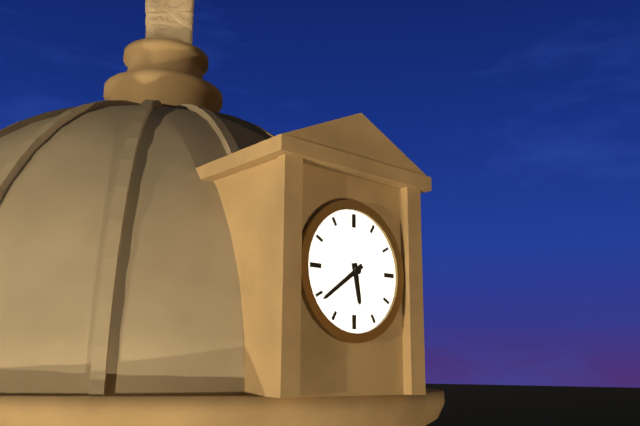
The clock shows 5.39
